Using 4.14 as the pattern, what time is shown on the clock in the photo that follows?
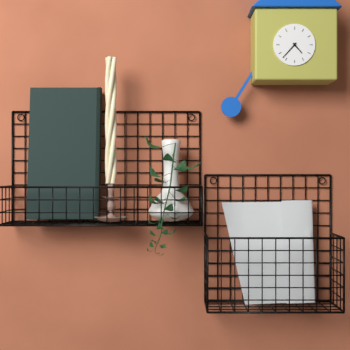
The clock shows 4.37
